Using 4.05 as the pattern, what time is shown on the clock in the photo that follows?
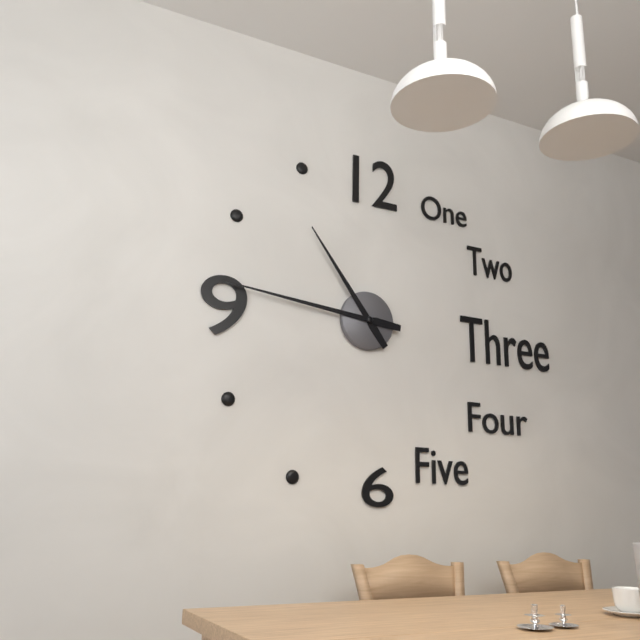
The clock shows 10.46
